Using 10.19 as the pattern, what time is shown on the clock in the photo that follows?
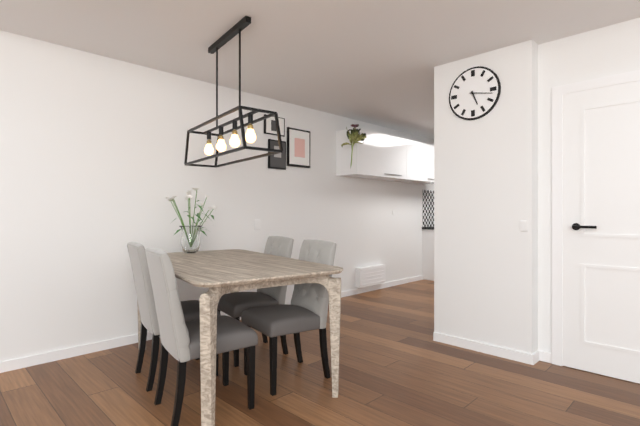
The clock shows 5.17
